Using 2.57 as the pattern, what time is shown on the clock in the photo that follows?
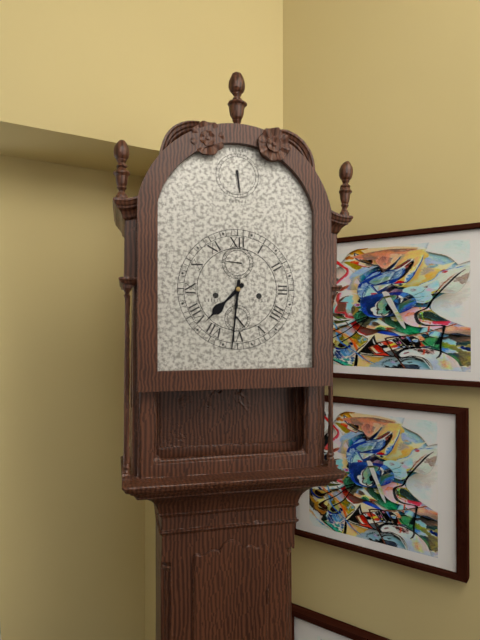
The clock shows 7.31
